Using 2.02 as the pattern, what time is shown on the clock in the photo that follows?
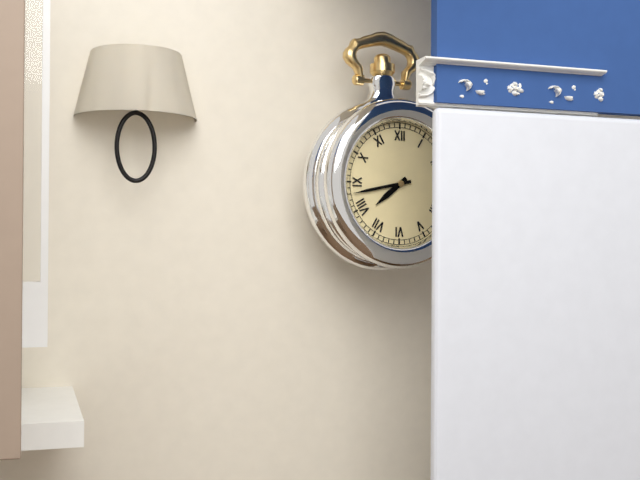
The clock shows 7.43
